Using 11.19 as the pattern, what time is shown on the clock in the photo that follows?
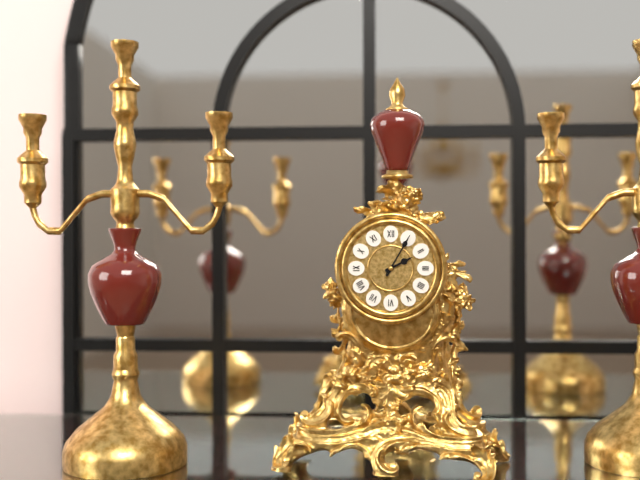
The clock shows 2.05
